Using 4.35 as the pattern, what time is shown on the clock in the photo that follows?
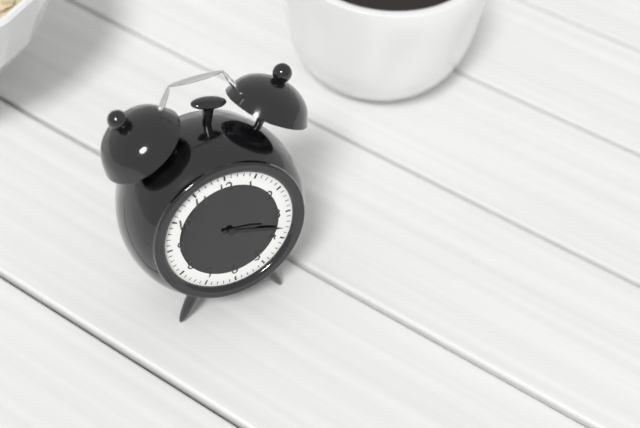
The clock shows 3.18
